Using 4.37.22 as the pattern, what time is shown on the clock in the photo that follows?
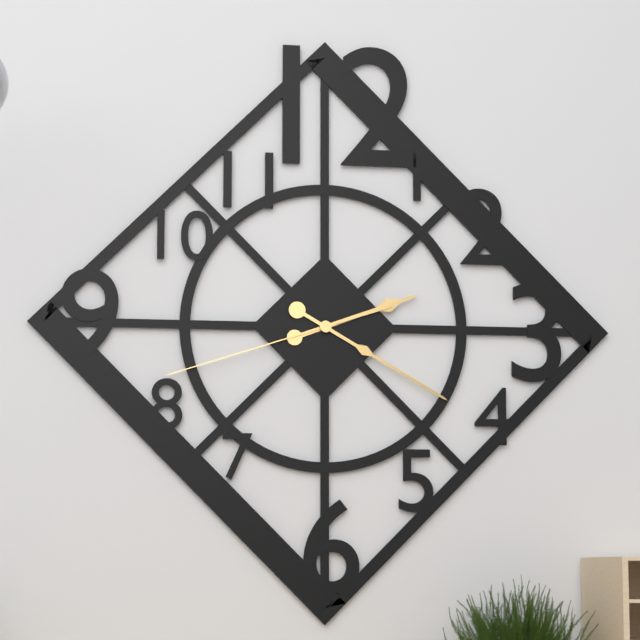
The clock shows 2.20.42
